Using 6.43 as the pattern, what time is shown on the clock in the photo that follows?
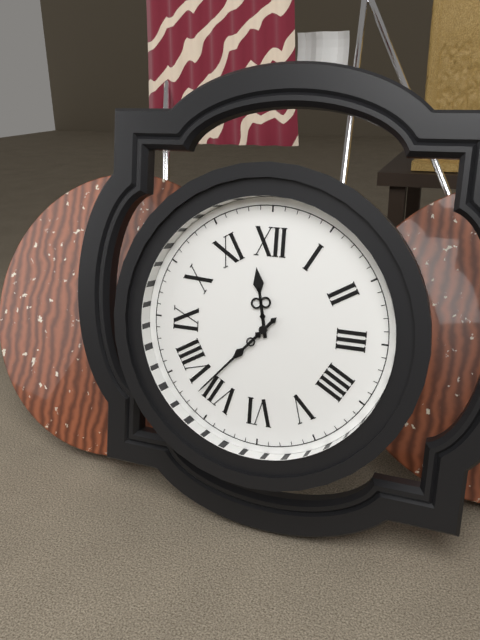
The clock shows 11.37
